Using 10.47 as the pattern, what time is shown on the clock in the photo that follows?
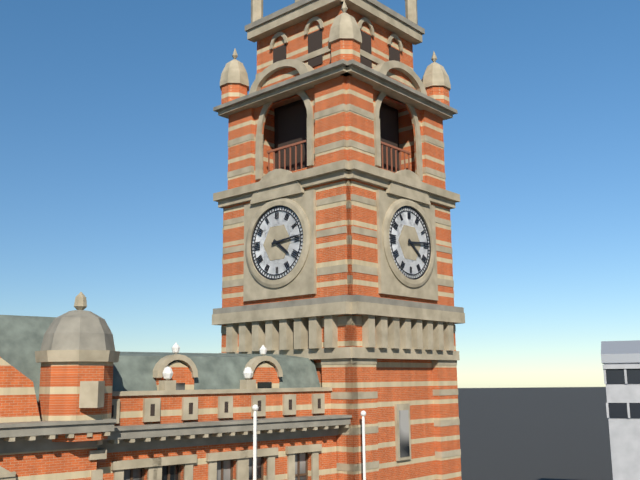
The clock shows 4.14
